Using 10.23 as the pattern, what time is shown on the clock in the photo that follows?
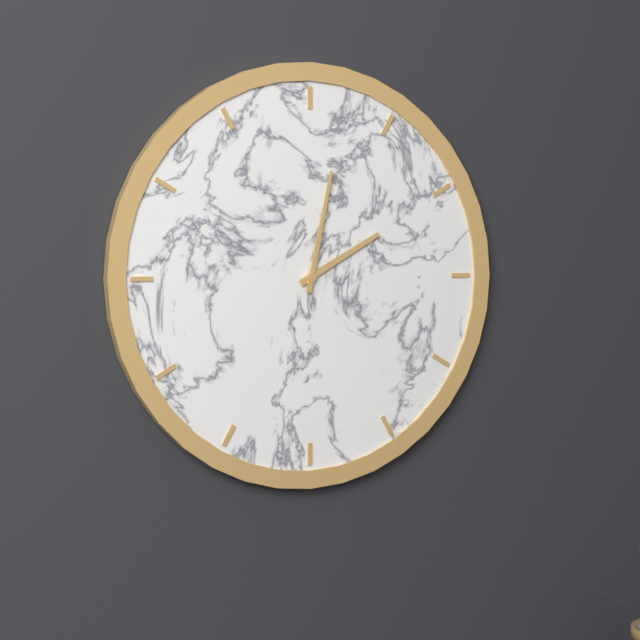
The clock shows 2.02
